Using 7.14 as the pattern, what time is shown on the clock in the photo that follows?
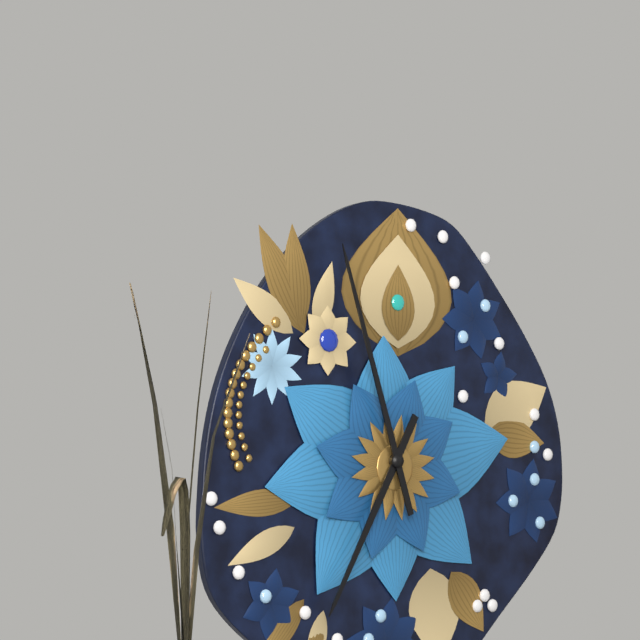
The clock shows 6.57
